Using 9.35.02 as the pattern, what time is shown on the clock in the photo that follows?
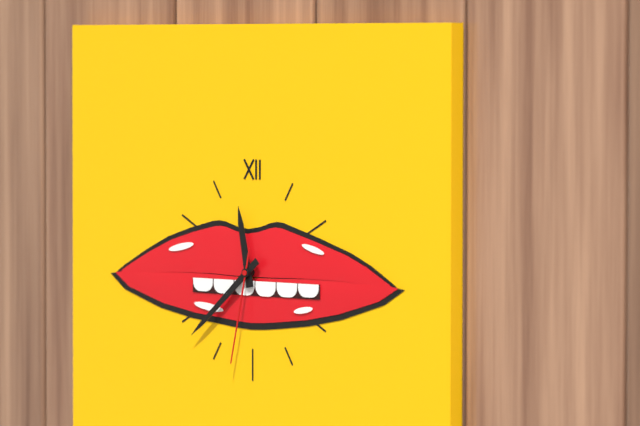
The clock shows 11.38.32
